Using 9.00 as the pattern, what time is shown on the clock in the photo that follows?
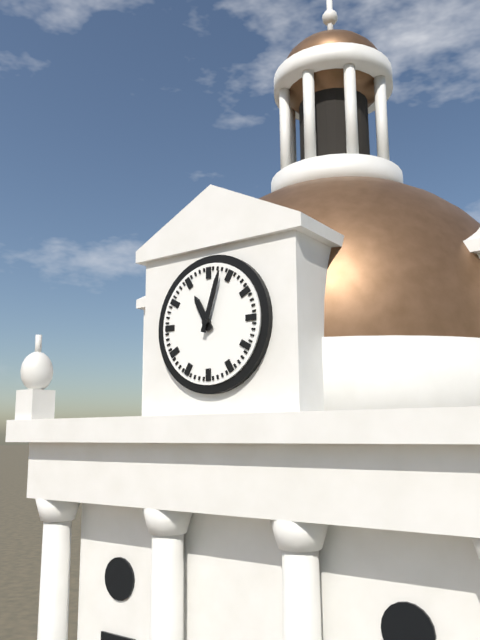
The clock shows 11.03
